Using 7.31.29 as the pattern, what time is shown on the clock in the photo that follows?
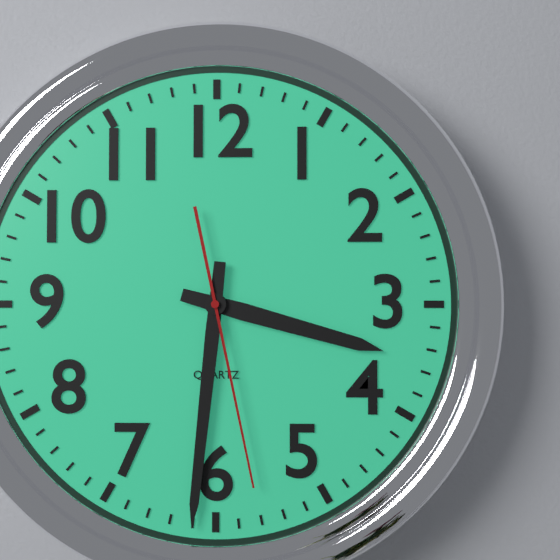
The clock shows 3.31.28
